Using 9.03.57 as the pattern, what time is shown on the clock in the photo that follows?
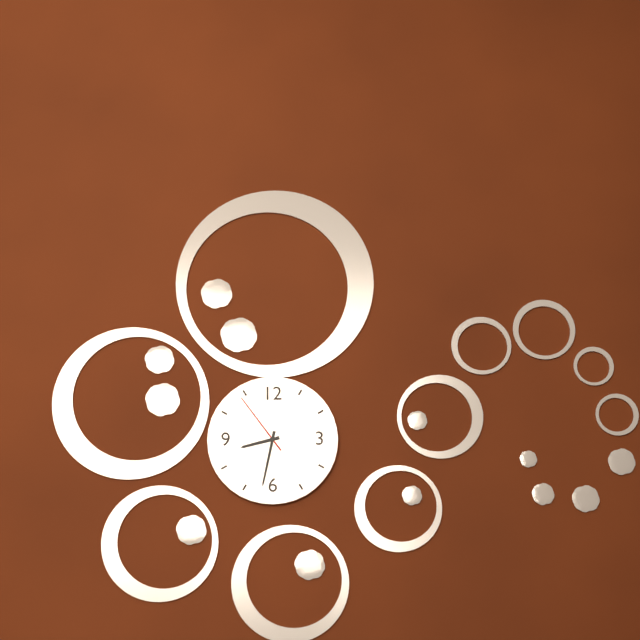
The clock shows 8.32.54
